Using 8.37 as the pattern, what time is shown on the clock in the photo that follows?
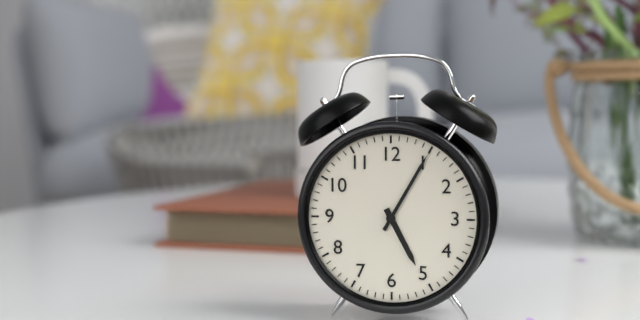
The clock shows 5.05
